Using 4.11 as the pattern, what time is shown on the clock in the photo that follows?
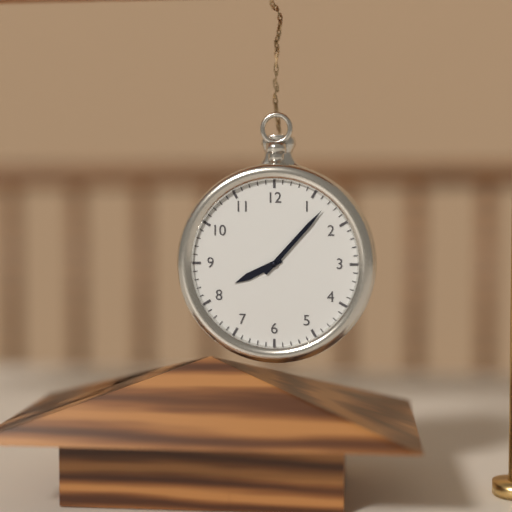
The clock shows 8.07
